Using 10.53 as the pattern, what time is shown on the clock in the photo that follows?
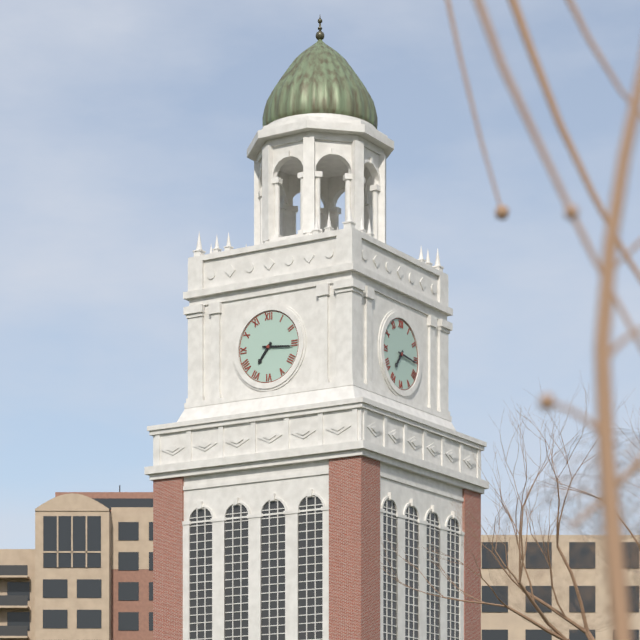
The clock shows 7.16
